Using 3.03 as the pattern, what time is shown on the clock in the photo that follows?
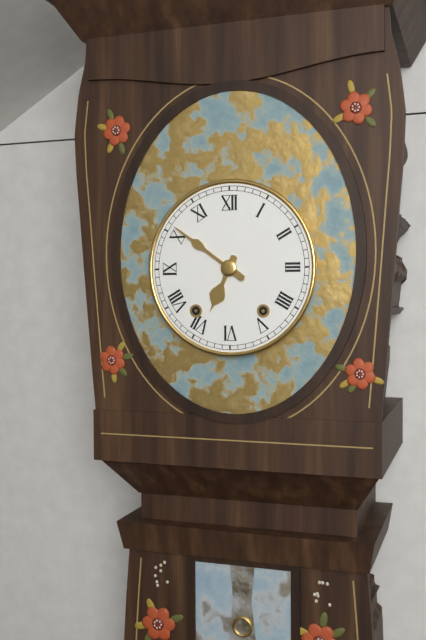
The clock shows 6.51
